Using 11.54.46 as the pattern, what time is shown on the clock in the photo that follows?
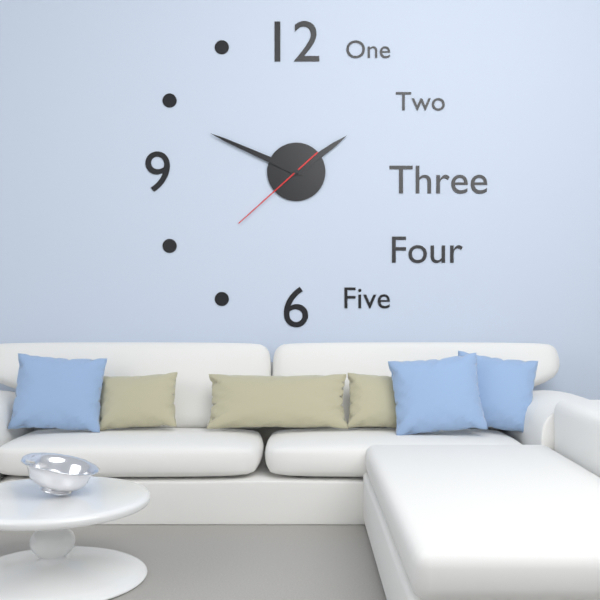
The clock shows 1.49.38
